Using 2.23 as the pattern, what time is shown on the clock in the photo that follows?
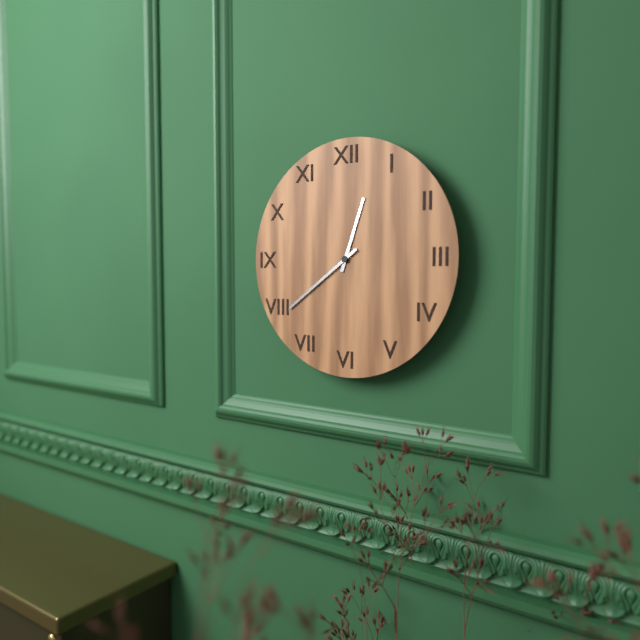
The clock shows 12.39
